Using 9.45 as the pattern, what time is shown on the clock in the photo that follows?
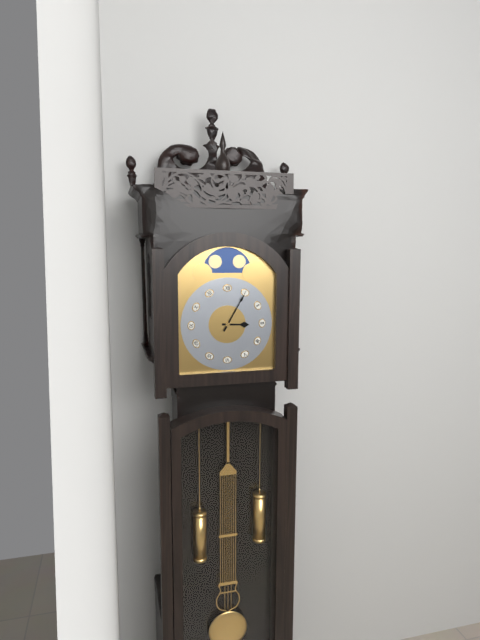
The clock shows 3.05
